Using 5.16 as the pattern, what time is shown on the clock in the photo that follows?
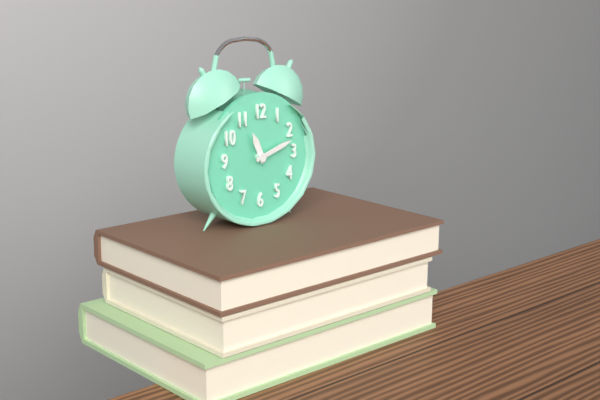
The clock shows 11.12
